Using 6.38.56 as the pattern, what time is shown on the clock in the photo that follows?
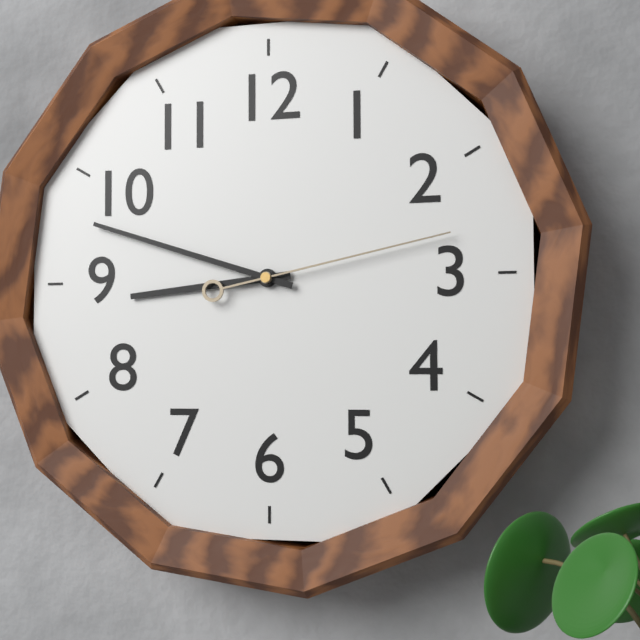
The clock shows 8.48.13
